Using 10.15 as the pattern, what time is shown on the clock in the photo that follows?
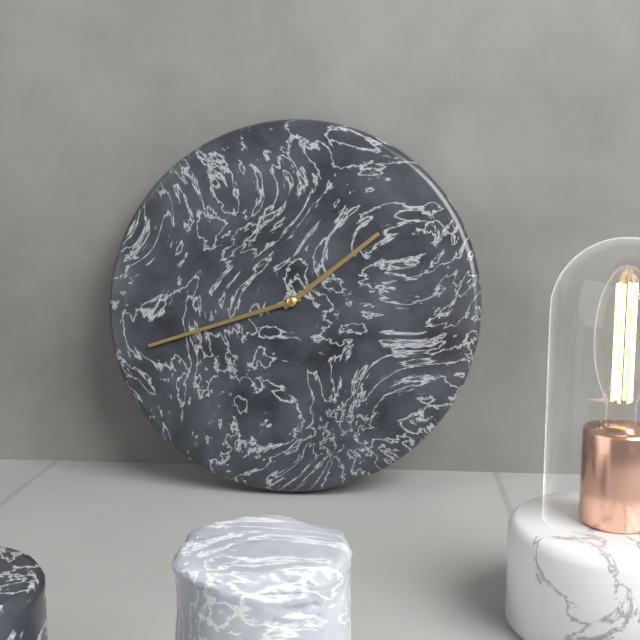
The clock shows 1.42
